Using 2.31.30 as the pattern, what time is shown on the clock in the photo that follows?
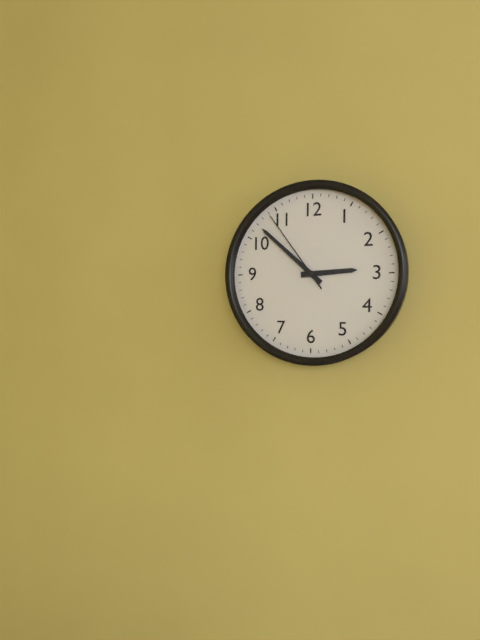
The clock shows 2.52.54
